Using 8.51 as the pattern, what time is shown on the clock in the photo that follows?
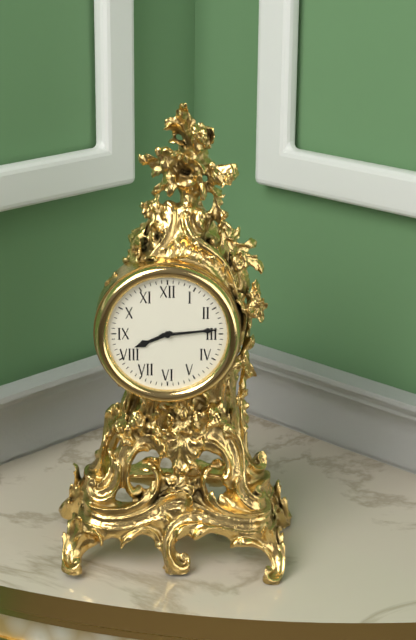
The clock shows 8.14
